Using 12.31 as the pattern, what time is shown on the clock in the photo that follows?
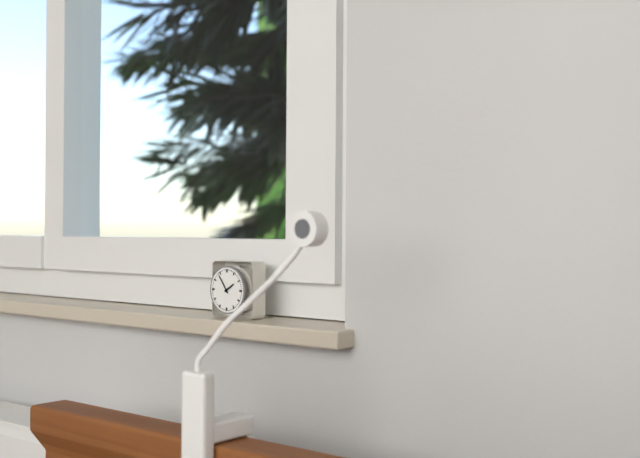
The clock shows 1.54
